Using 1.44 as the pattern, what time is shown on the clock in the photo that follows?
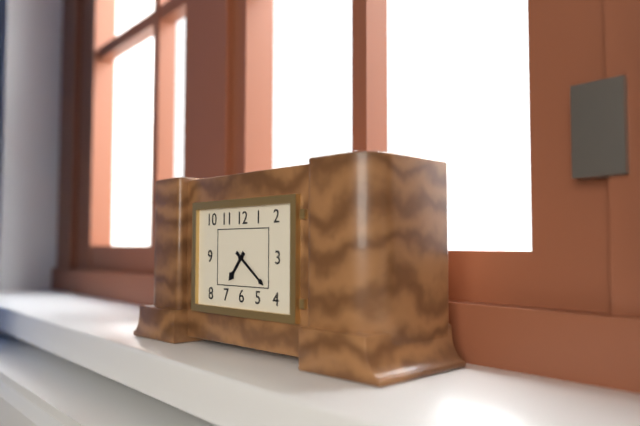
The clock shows 7.21
